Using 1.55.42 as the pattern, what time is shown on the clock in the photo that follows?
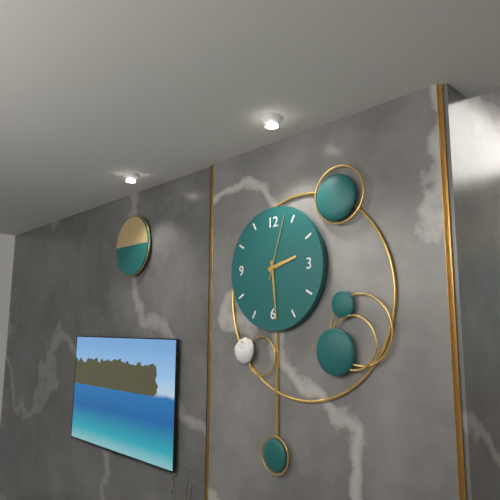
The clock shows 2.29.03
